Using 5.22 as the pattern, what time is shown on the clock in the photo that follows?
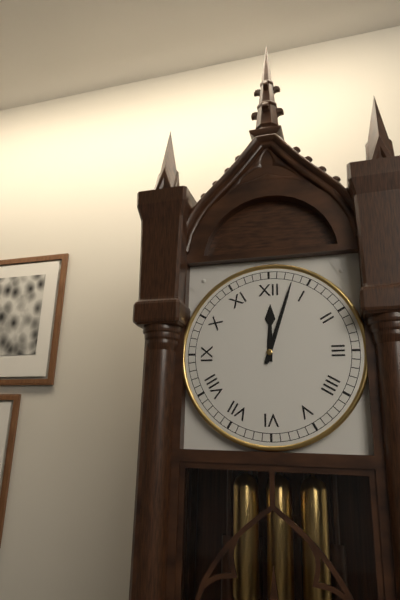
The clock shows 12.03
